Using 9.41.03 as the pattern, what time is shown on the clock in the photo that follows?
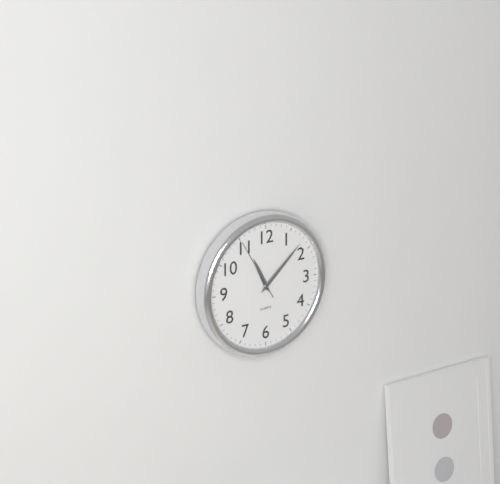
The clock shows 11.08.55
